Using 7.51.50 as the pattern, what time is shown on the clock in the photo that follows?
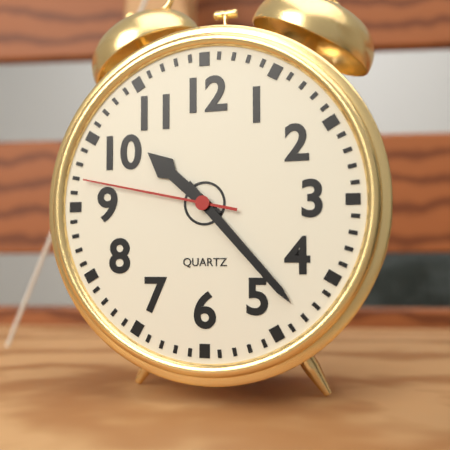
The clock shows 10.23.47
